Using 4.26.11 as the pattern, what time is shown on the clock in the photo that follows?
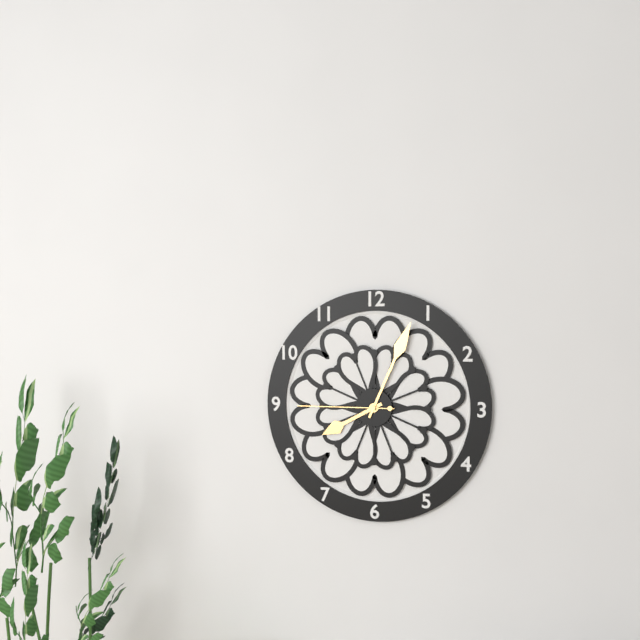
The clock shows 8.04.45
